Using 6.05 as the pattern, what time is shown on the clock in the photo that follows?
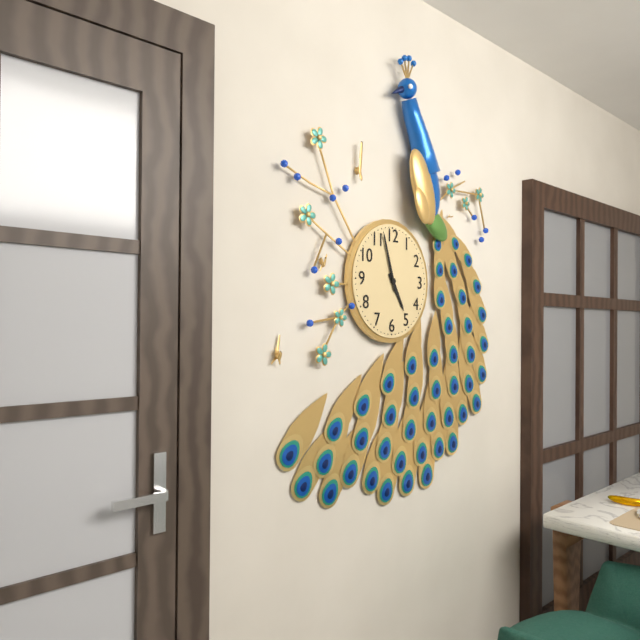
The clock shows 4.57
